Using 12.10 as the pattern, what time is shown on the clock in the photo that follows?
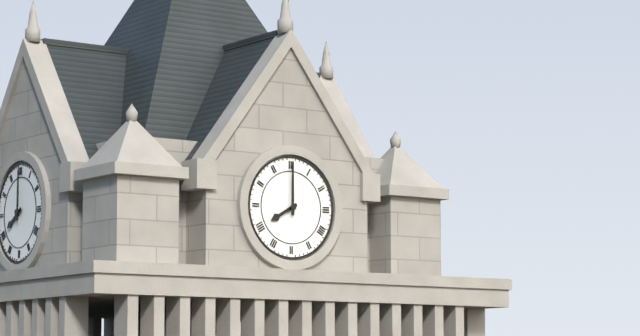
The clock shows 8.00
